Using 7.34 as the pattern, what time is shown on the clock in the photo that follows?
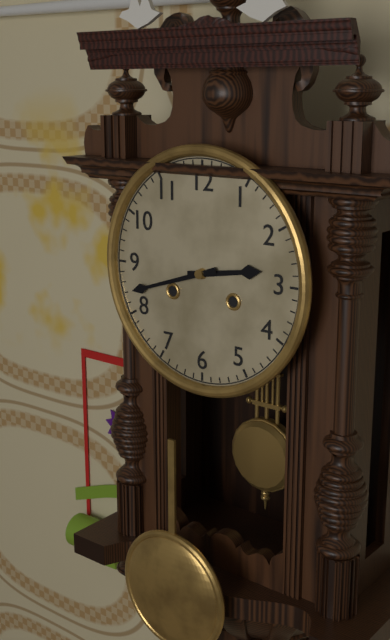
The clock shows 2.42
